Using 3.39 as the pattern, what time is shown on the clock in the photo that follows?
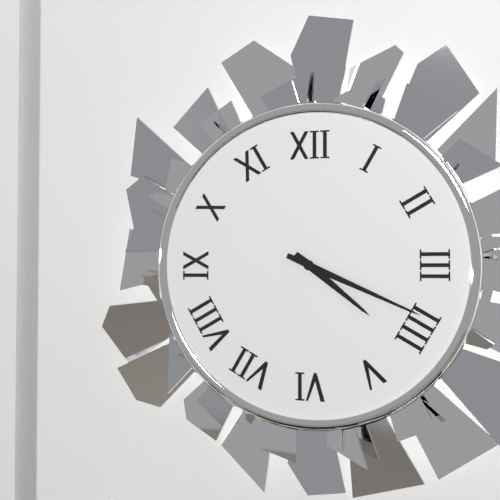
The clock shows 4.19
